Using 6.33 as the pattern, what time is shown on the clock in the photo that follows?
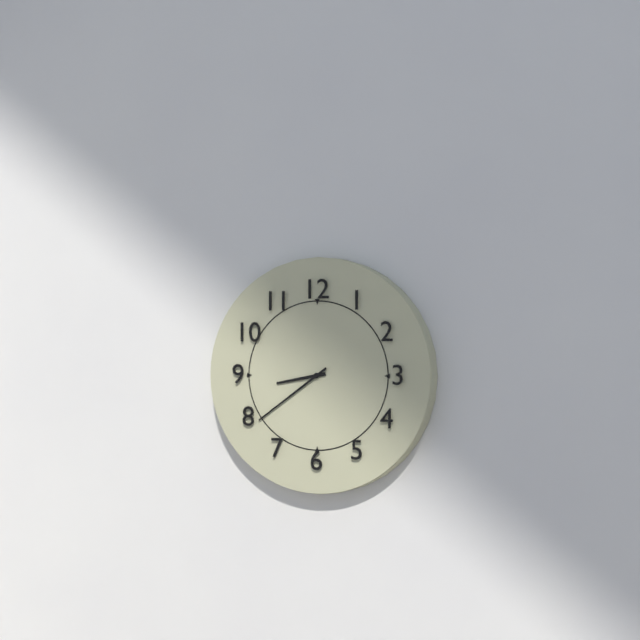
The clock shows 8.39
